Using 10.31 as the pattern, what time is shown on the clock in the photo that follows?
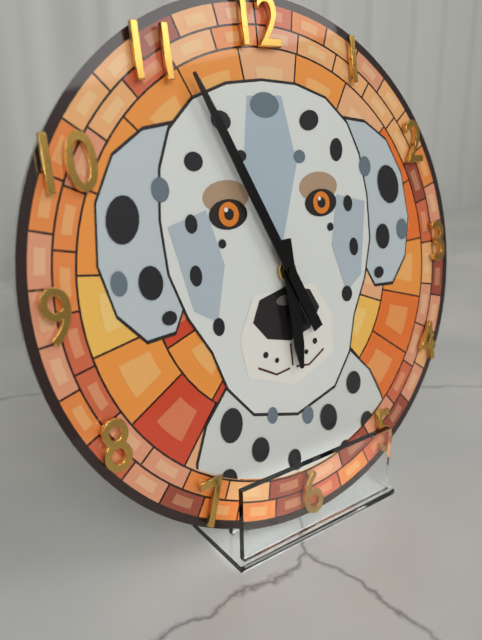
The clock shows 5.56
